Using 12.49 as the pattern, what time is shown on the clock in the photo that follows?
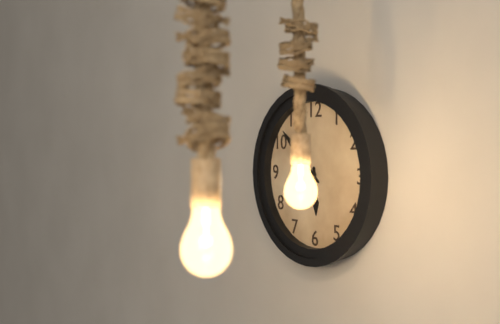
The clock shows 5.52
